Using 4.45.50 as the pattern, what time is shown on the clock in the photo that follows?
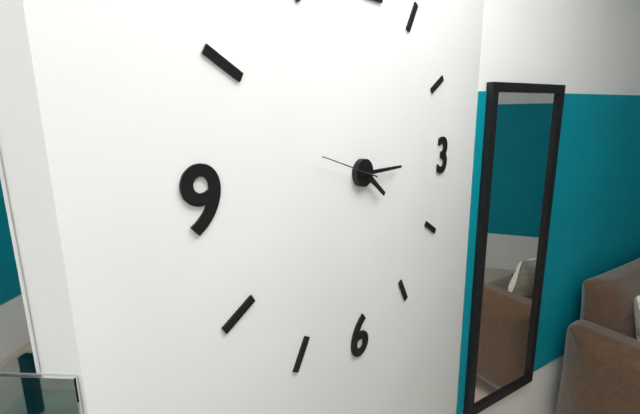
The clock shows 4.15.48
